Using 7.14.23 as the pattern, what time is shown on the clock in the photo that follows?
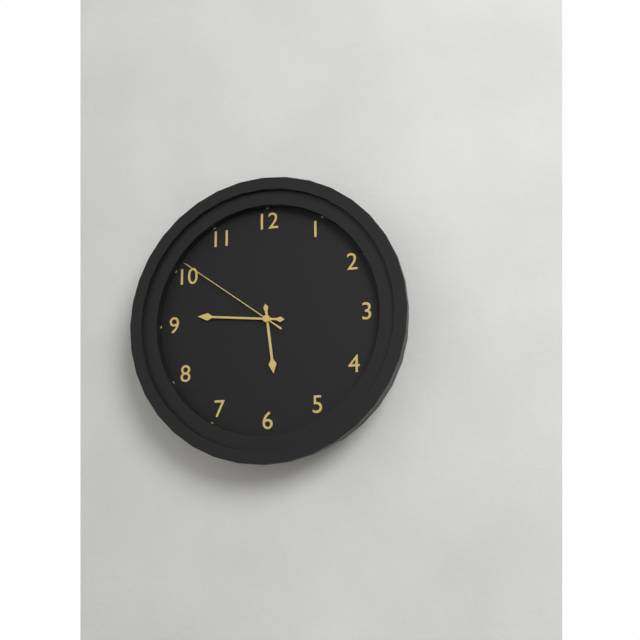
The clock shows 5.46.51
